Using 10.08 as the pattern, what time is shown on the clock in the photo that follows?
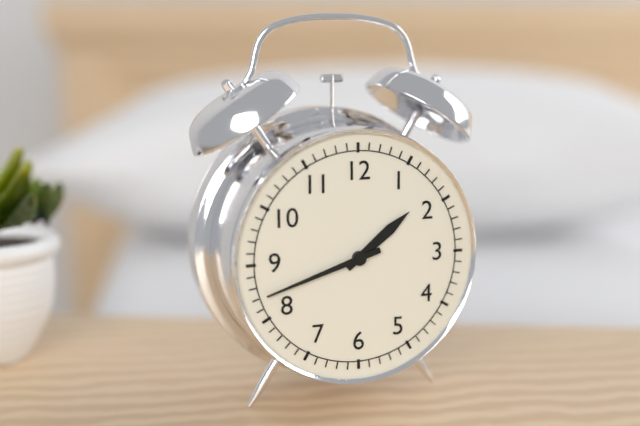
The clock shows 1.42
